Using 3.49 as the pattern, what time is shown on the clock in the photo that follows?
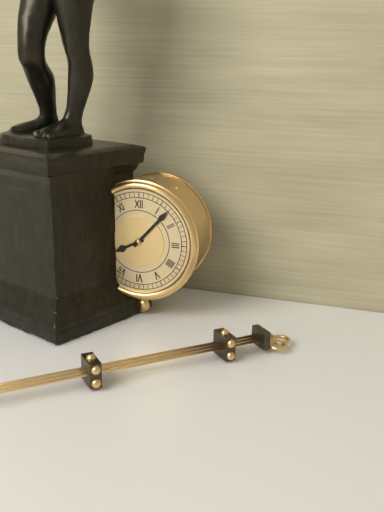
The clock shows 8.07
